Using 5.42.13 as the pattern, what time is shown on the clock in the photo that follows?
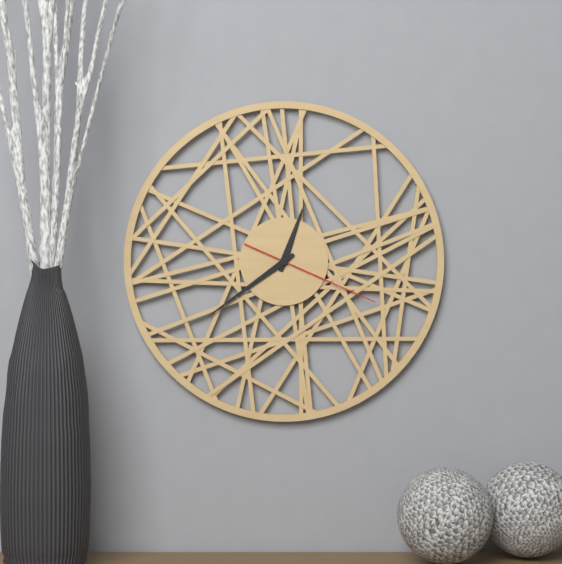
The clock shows 12.39.19
